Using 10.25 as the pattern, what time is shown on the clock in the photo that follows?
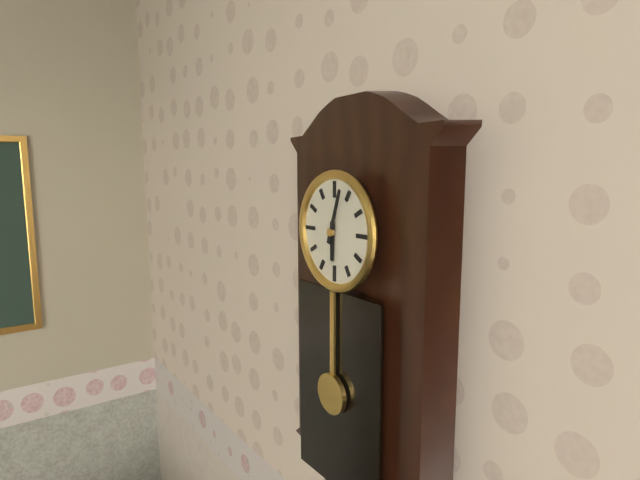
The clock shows 6.03
